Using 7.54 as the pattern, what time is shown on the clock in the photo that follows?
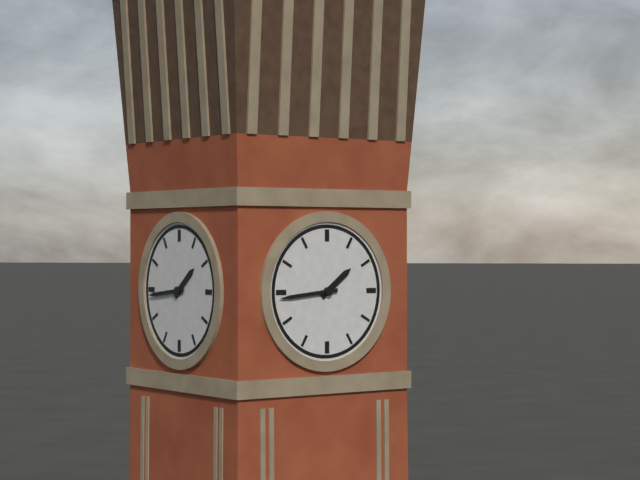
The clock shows 1.44
